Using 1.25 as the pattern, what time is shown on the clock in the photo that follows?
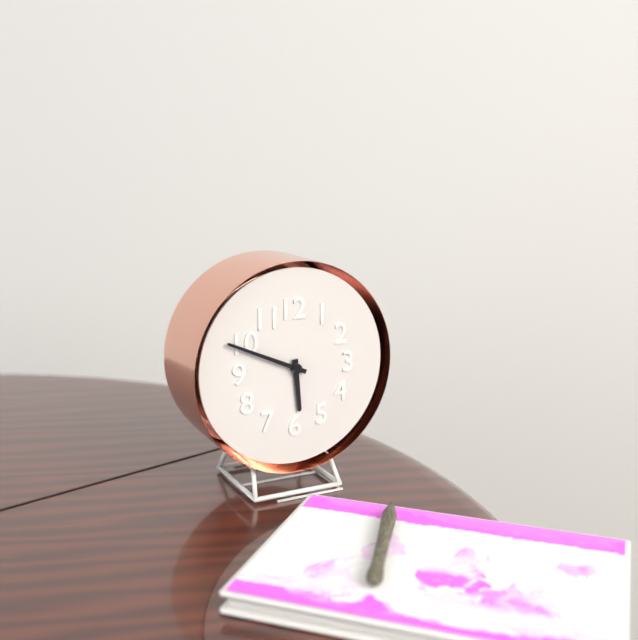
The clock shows 5.49
